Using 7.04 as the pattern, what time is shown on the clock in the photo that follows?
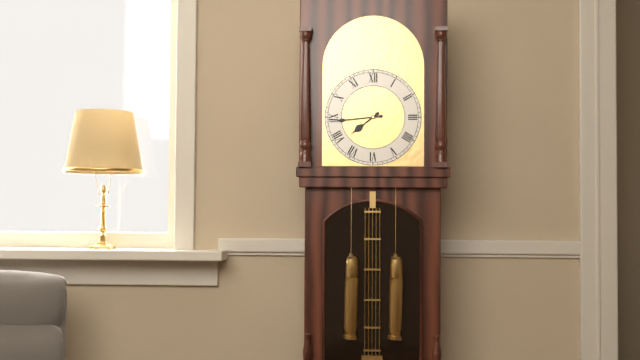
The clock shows 7.44
